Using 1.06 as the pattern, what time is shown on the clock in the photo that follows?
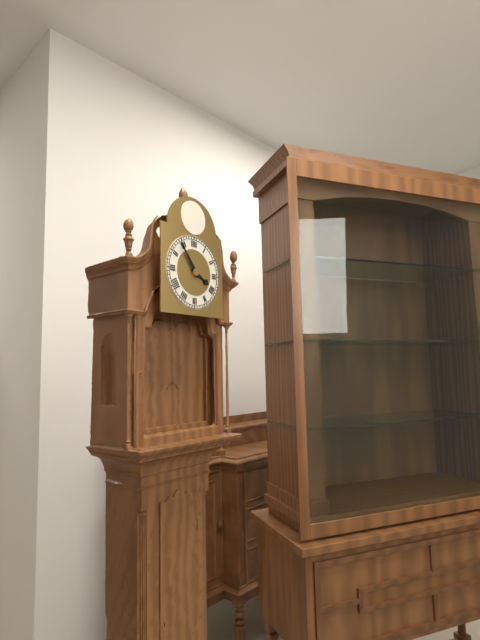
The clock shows 3.54
